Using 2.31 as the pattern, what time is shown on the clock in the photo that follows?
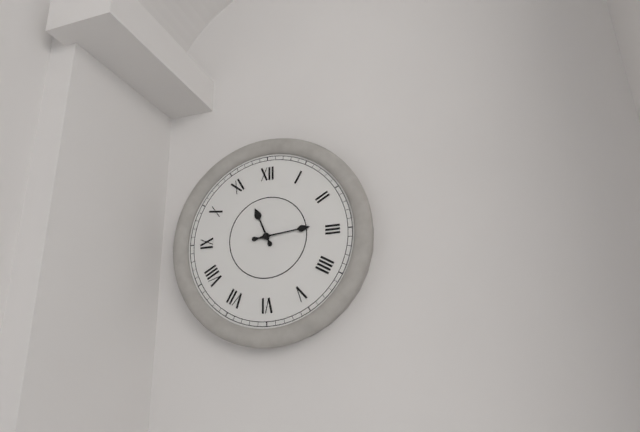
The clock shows 11.14
